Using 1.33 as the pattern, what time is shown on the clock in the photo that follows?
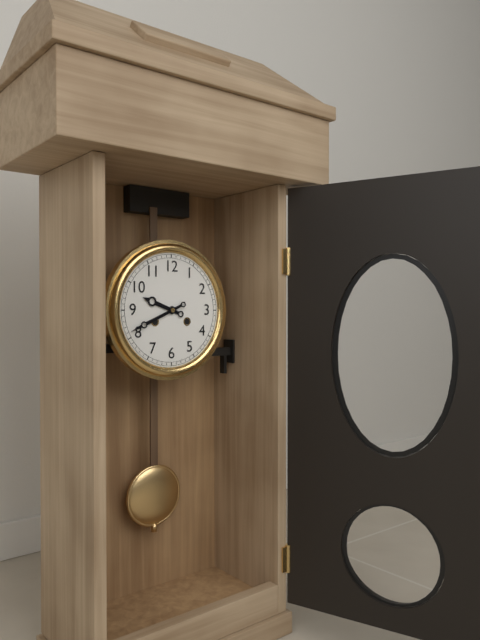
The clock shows 9.41
